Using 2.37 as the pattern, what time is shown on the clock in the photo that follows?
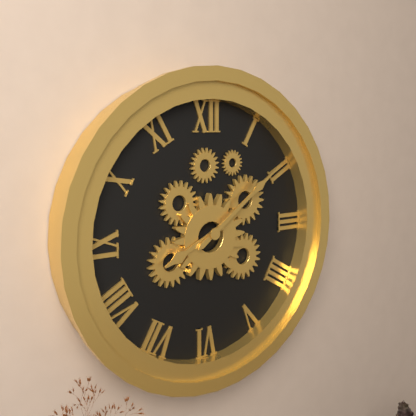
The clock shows 8.09
